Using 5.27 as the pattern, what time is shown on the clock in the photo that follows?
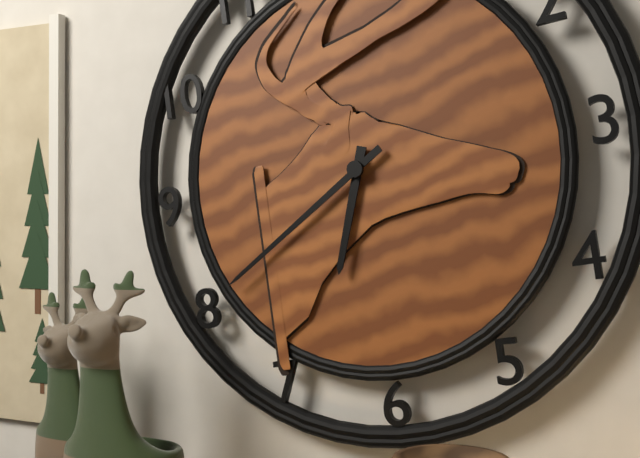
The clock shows 6.40
